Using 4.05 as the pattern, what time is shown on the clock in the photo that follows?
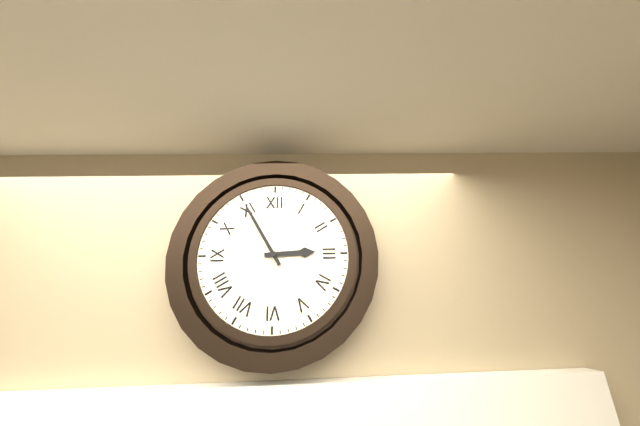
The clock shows 2.55
